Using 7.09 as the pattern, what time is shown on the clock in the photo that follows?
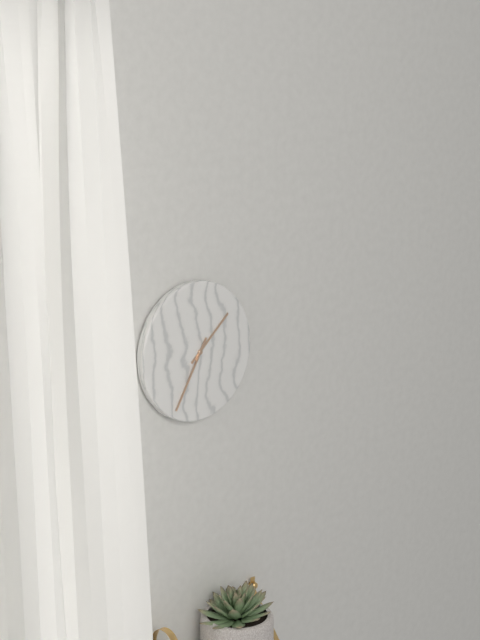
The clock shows 1.35
